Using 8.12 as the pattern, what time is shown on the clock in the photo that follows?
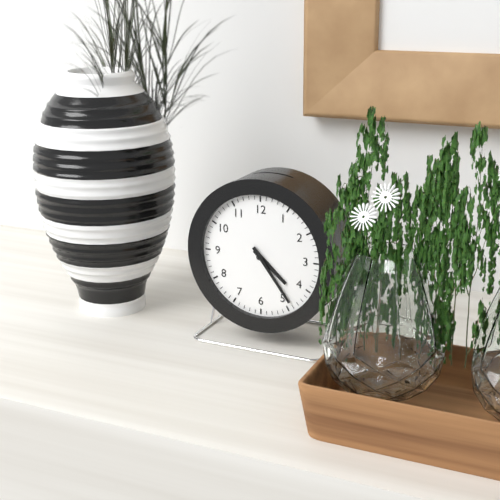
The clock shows 4.24
